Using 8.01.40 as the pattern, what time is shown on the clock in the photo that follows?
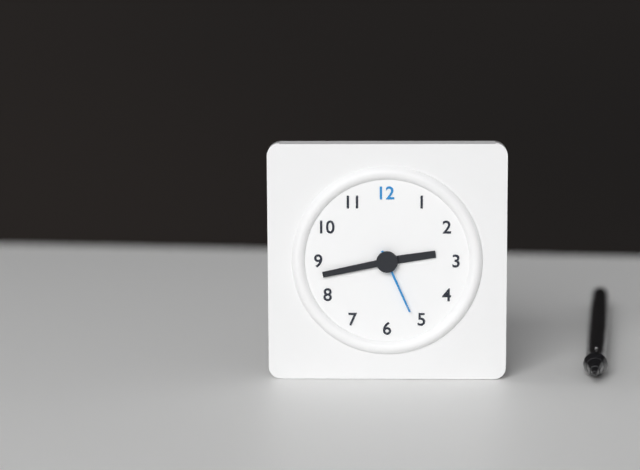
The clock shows 2.43.26
